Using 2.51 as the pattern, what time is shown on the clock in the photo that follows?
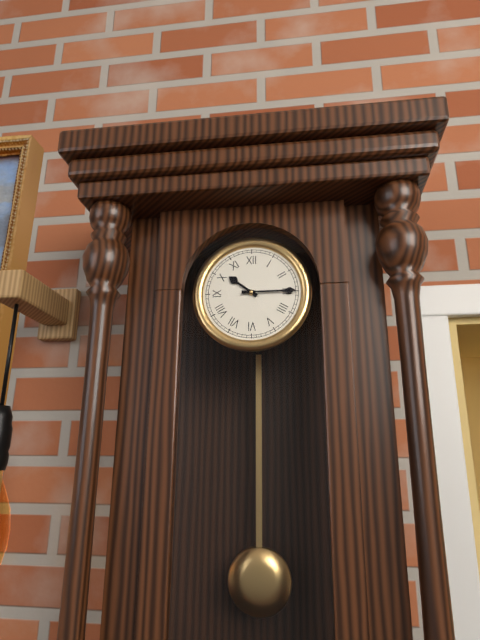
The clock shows 10.15
